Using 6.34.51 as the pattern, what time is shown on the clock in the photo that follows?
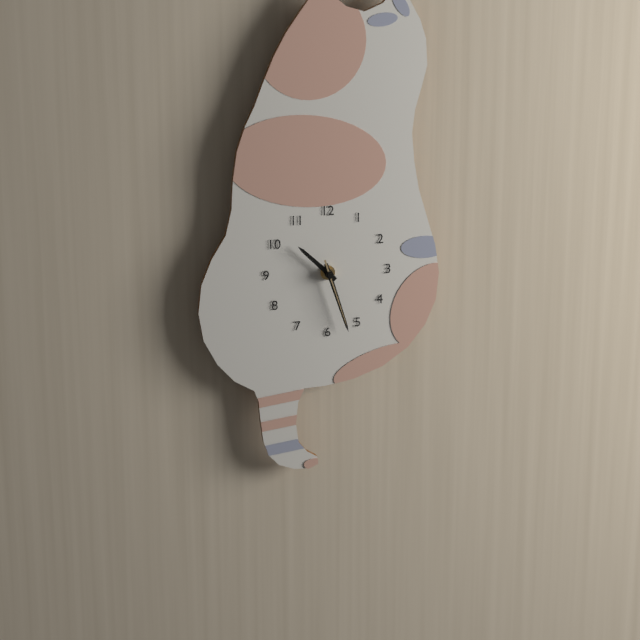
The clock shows 10.27.27
